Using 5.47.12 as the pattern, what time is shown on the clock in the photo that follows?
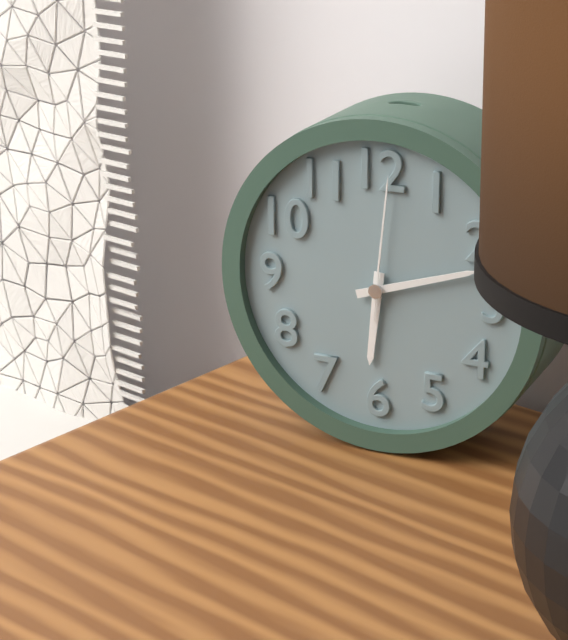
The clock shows 6.12.01
